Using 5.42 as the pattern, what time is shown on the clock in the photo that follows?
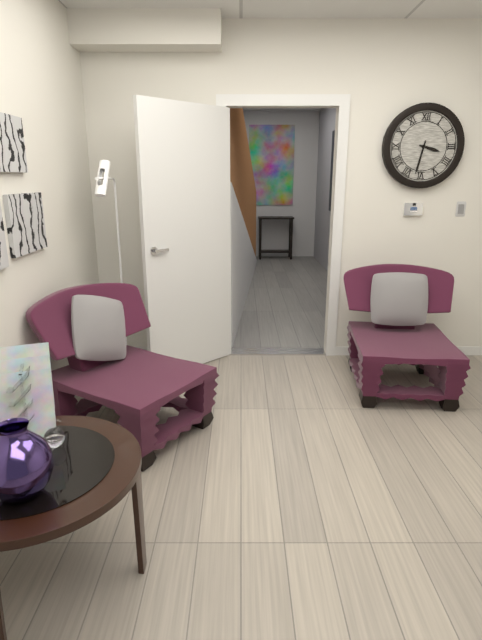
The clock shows 3.32
